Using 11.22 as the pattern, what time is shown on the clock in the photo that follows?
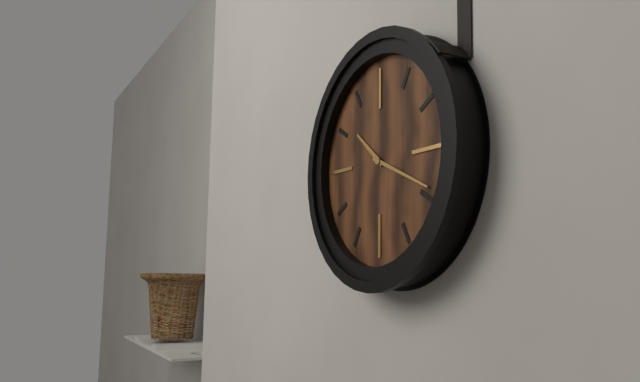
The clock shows 10.19
